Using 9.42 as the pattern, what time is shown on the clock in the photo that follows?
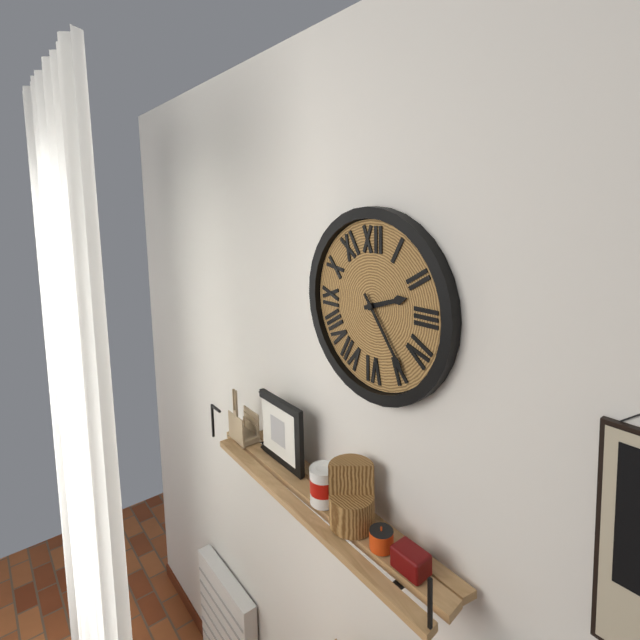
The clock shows 2.24
